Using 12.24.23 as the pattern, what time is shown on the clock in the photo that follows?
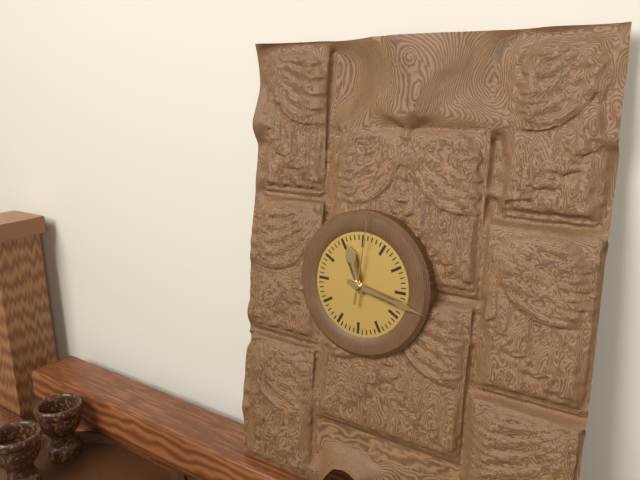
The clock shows 11.17.01
